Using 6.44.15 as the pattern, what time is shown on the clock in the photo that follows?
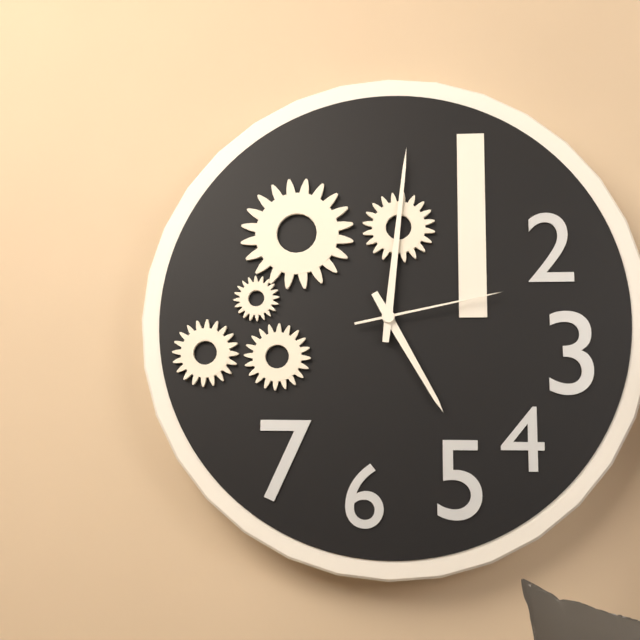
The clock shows 5.01.13
